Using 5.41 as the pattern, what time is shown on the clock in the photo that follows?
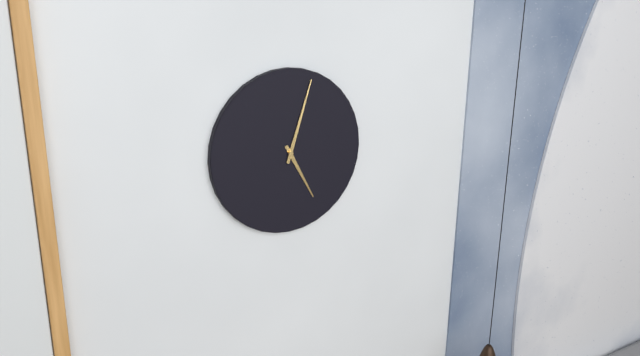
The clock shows 5.03
